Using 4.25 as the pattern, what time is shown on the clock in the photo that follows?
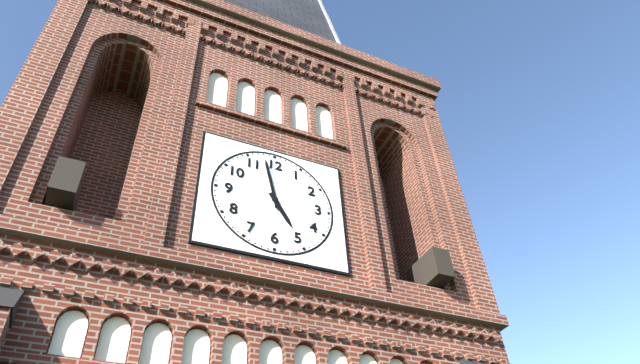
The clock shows 4.58
